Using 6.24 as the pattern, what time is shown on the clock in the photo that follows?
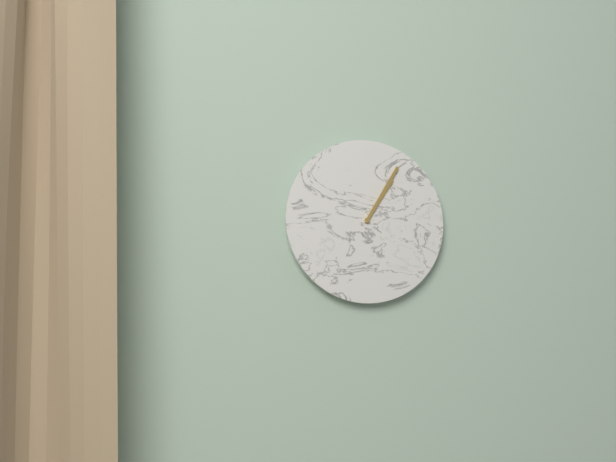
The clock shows 1.05
